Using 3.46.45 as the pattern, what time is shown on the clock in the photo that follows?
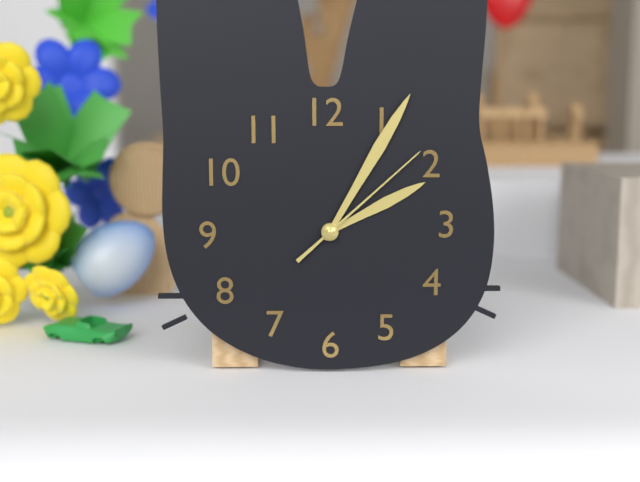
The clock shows 2.05.08
